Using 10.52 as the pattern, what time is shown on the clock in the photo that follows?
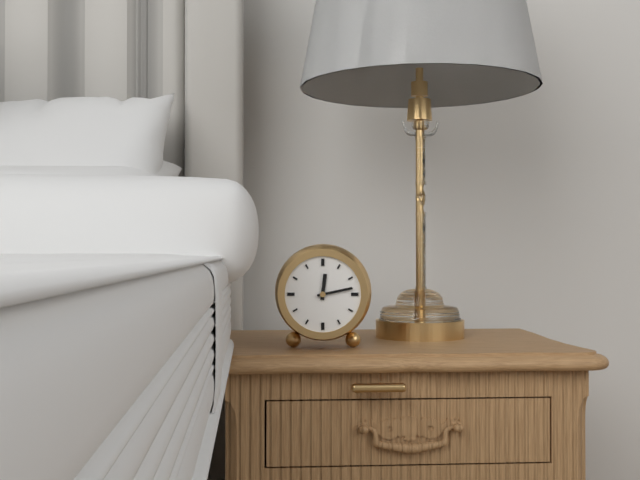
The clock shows 12.13
